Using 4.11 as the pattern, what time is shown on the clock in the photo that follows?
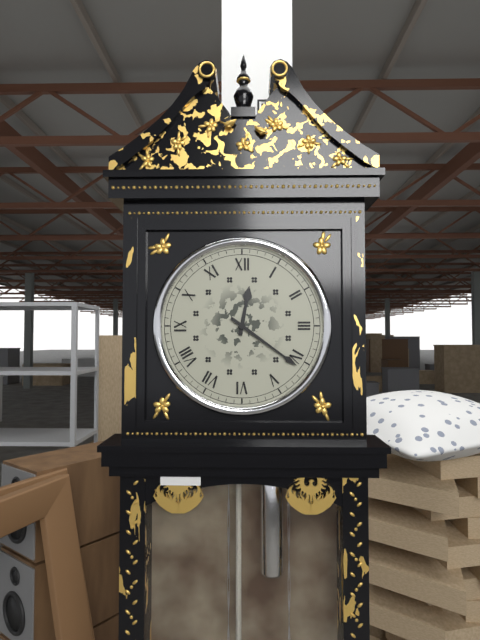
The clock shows 12.21
